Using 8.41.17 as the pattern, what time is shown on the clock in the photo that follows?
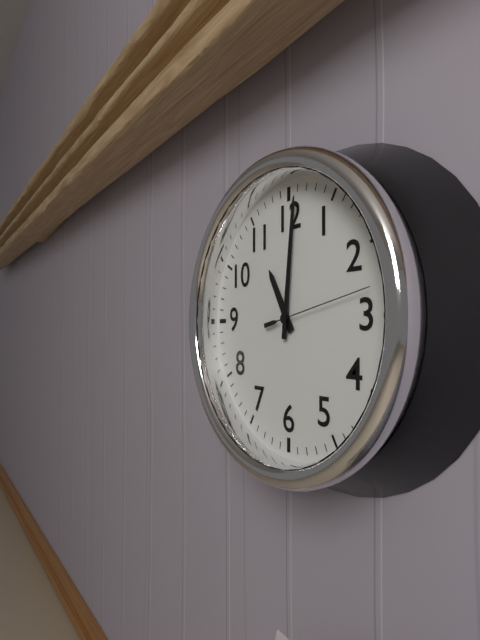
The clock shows 11.01.13
